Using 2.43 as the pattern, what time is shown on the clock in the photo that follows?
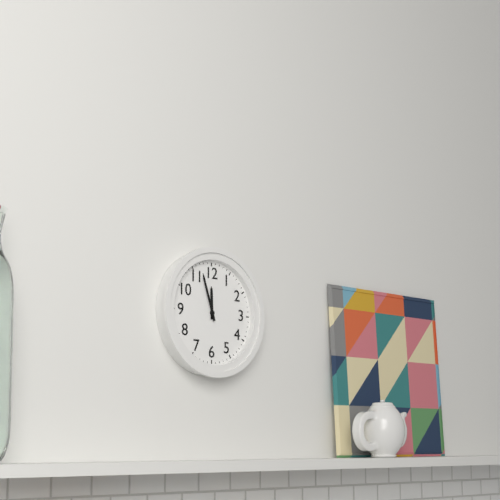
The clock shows 11.57
